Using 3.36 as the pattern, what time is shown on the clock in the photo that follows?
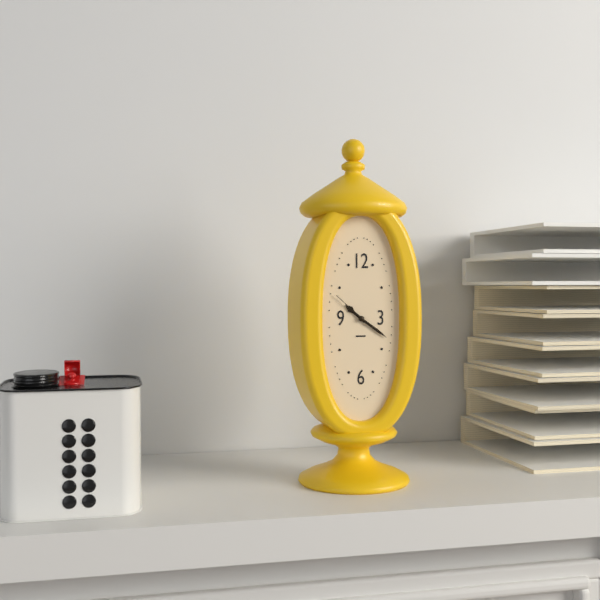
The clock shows 10.21
